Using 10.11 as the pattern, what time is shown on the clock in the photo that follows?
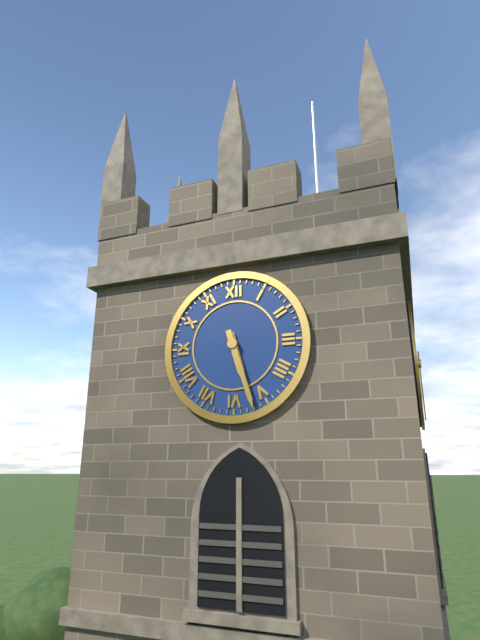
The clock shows 5.27
